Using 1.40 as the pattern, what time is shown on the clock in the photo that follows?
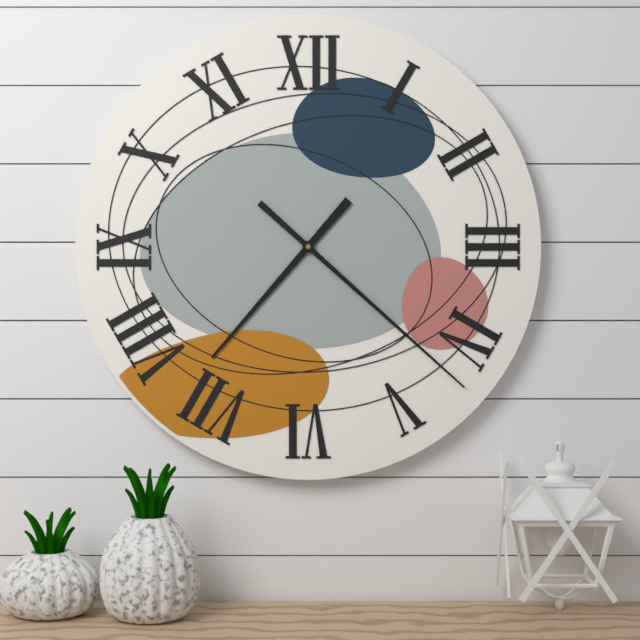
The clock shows 7.22
